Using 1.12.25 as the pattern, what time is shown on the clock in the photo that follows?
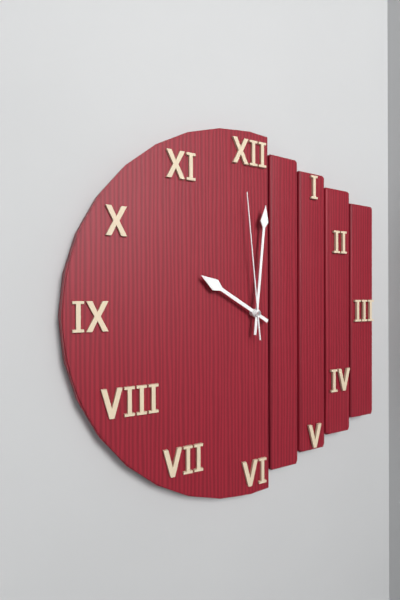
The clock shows 10.01.59
